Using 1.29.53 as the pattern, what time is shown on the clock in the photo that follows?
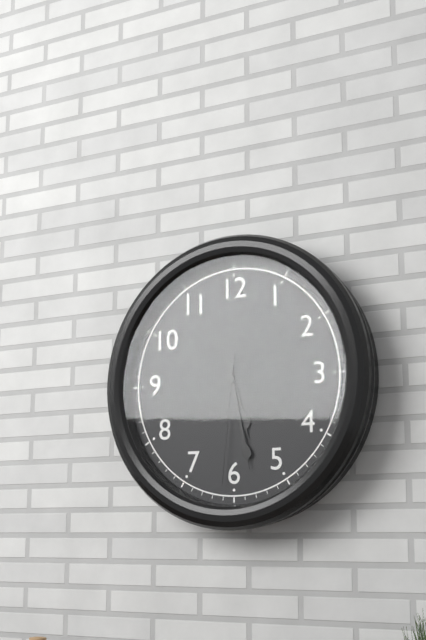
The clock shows 5.28.31
